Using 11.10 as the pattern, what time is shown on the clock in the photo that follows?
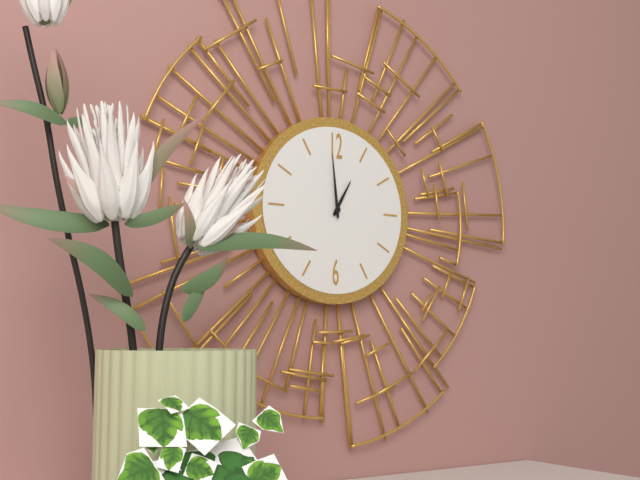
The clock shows 12.59
